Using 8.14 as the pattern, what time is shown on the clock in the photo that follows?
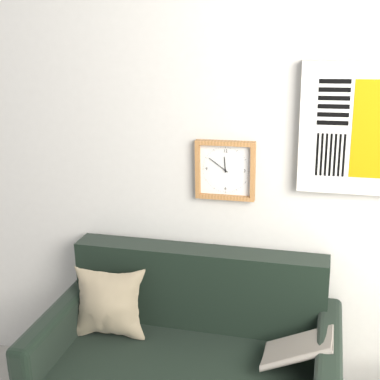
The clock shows 11.51
